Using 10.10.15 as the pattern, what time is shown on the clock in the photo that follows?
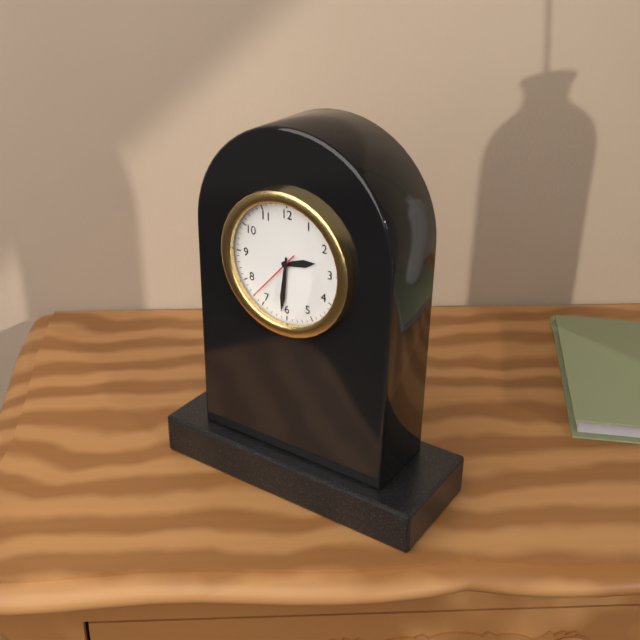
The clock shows 2.31.37
